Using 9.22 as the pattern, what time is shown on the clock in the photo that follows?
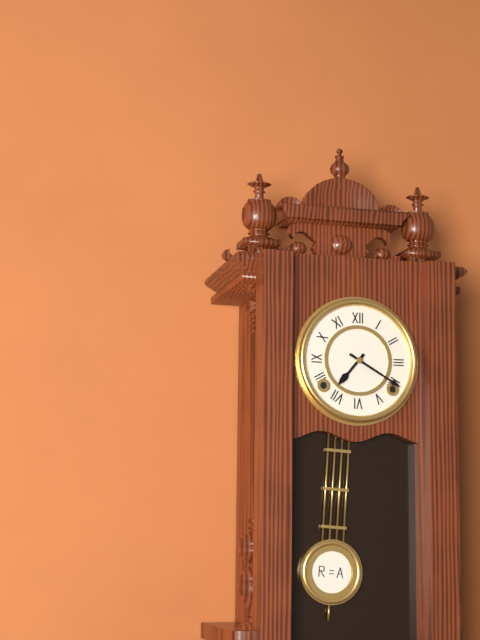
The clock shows 7.20
